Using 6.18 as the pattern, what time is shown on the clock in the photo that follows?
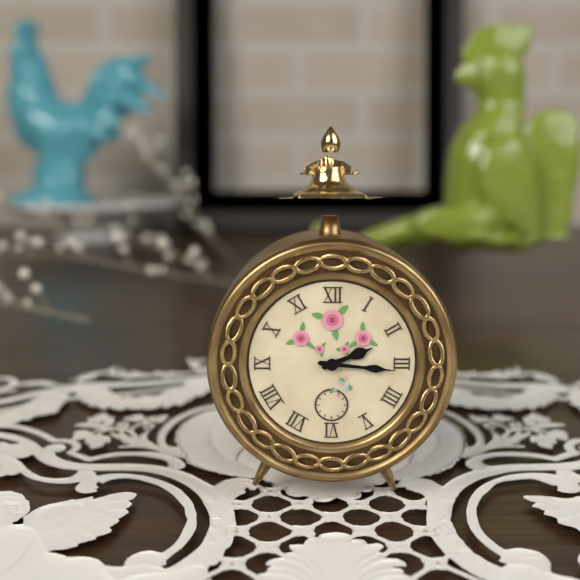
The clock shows 2.16
